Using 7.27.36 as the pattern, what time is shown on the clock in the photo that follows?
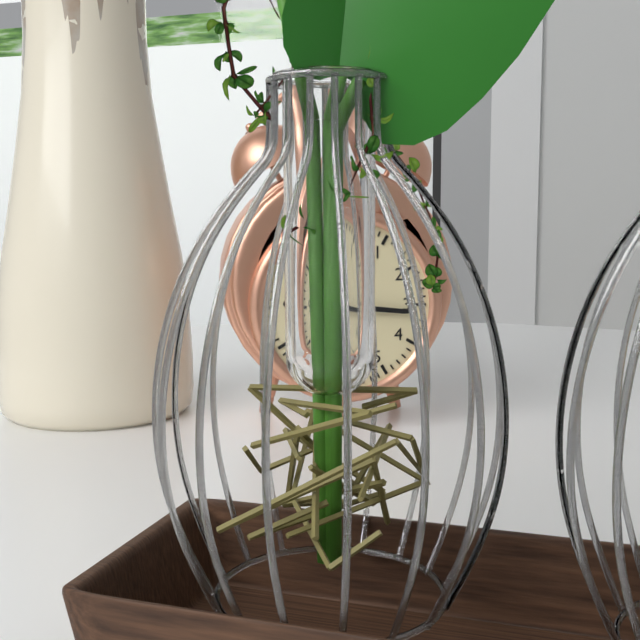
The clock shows 6.16.59
